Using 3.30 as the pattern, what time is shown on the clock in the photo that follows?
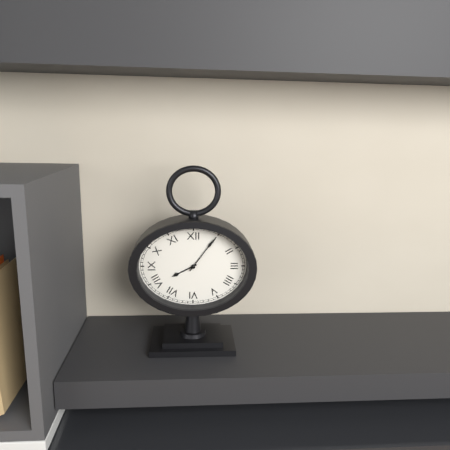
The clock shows 8.06
